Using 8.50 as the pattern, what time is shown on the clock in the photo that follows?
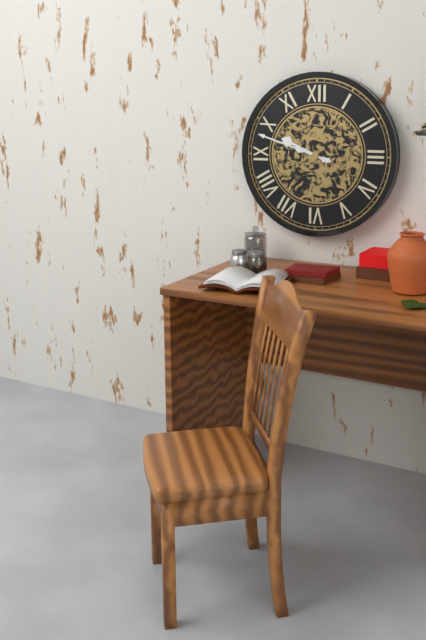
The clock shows 9.48
